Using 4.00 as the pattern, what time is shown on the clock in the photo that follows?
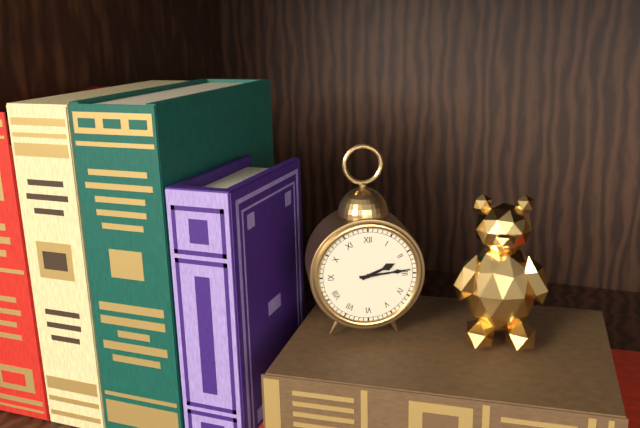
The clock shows 2.14
